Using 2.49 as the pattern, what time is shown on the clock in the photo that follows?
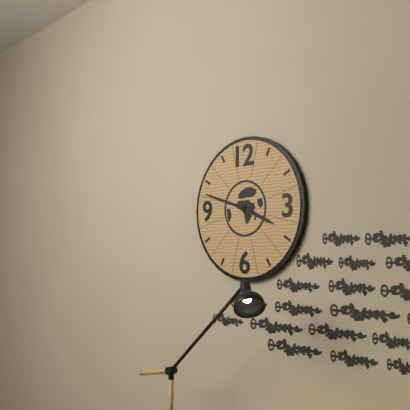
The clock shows 3.48
